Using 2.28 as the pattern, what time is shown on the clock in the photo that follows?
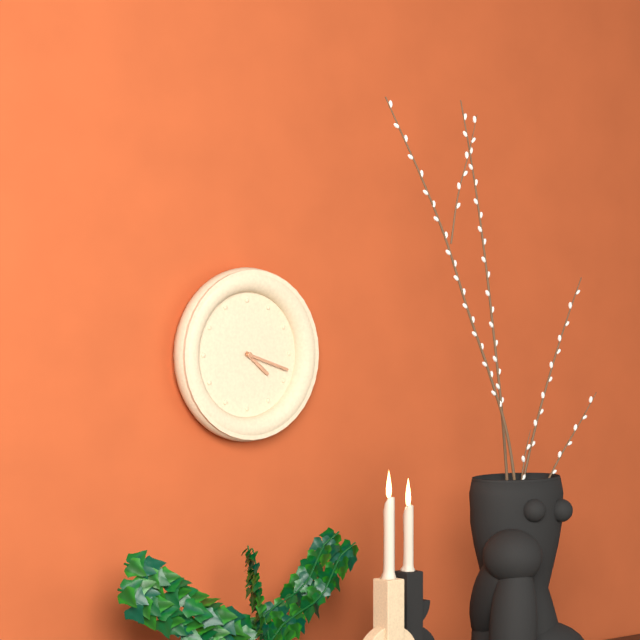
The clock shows 4.18
